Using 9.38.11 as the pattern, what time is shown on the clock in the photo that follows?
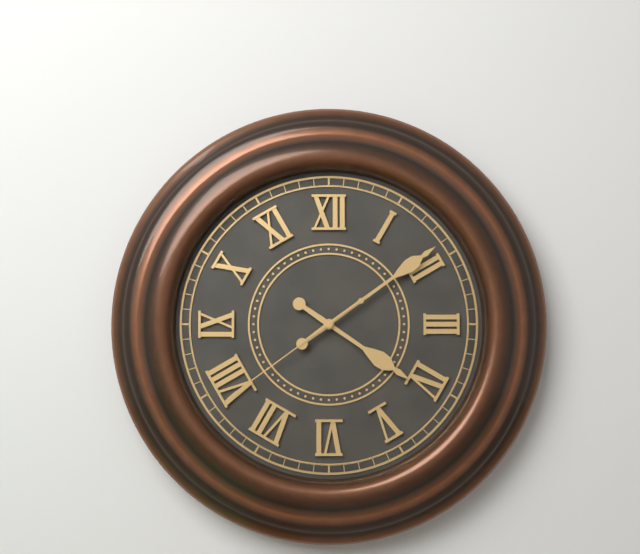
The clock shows 4.09.39
